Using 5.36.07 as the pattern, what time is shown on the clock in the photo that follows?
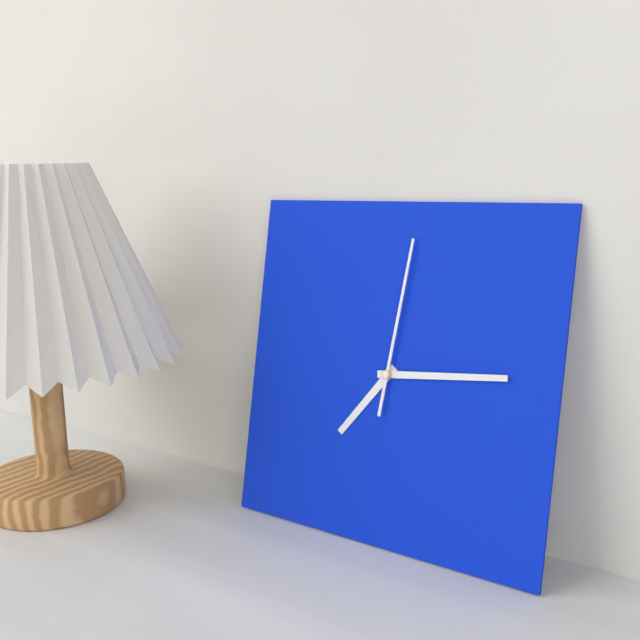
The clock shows 7.14.01
